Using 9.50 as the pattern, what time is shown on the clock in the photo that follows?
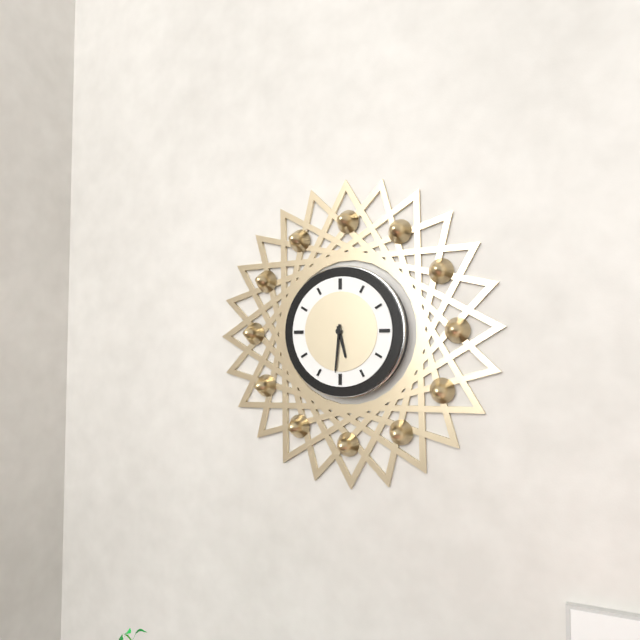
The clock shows 5.31
